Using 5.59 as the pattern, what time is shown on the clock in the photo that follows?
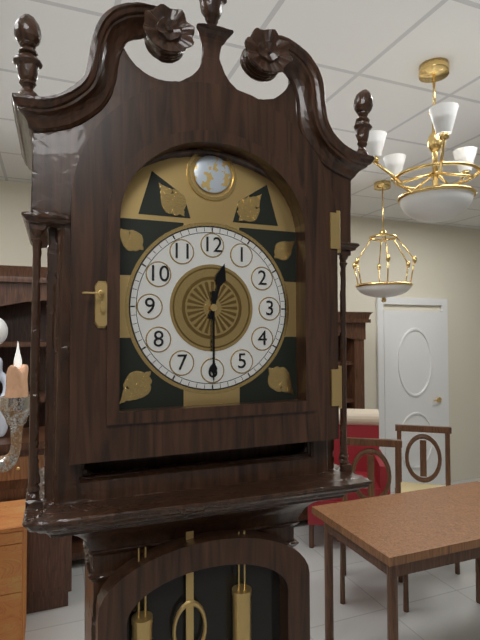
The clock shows 12.30
